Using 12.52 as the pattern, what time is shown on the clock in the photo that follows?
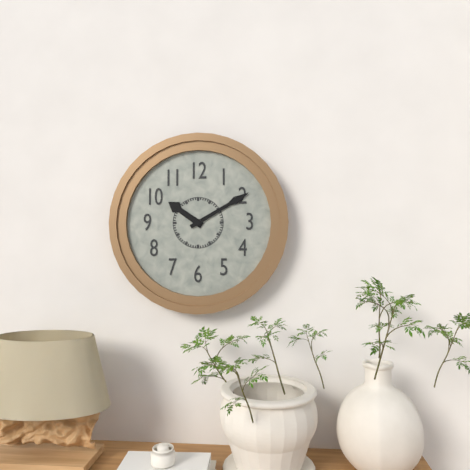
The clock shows 10.10
